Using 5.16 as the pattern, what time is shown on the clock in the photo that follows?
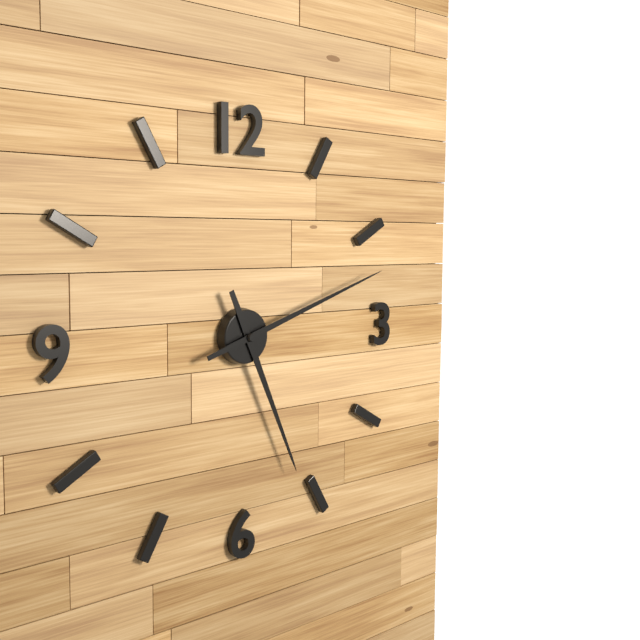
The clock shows 5.12
